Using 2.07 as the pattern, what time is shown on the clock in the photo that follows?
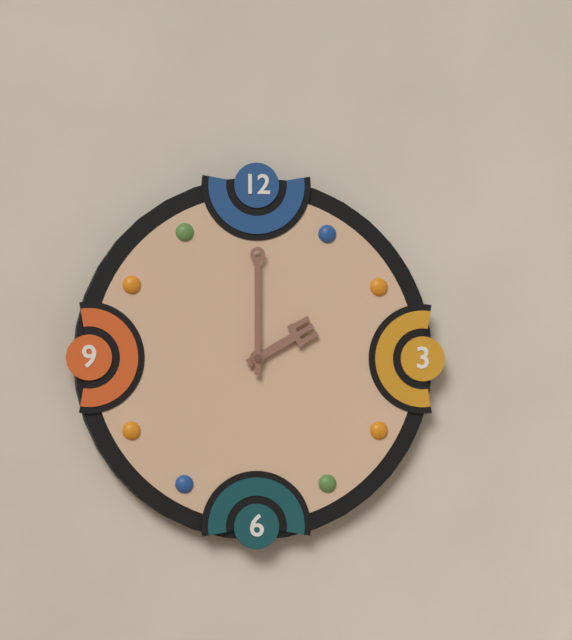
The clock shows 2.00
